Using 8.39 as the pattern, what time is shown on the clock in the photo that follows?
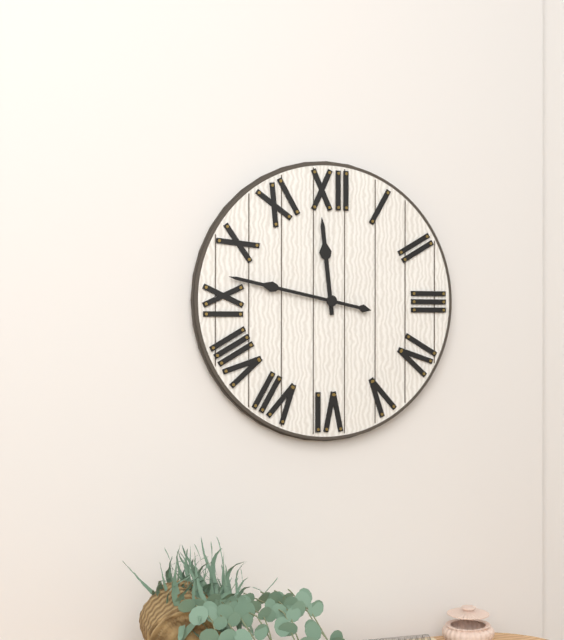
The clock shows 11.47
